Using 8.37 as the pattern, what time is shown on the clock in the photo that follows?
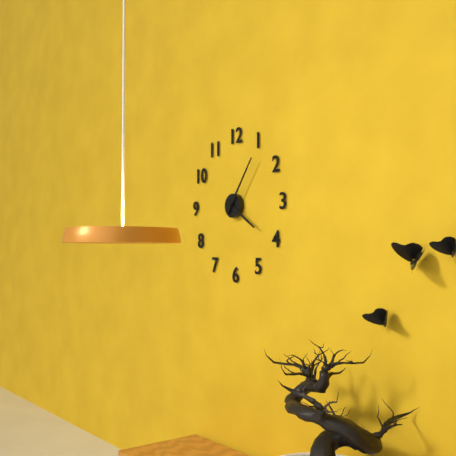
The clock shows 4.06
